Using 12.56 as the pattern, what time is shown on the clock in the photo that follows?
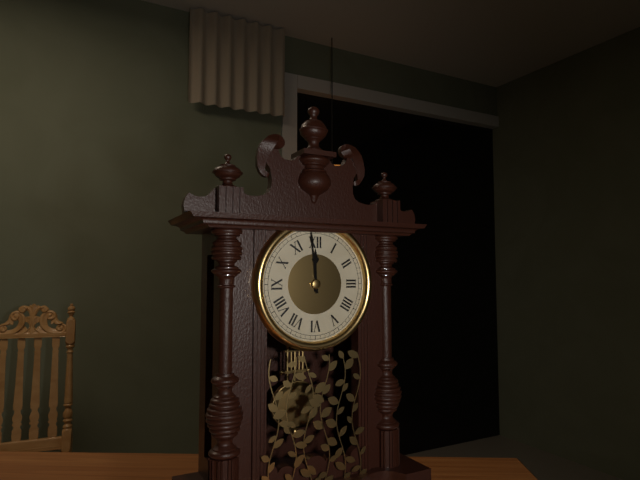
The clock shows 11.59
